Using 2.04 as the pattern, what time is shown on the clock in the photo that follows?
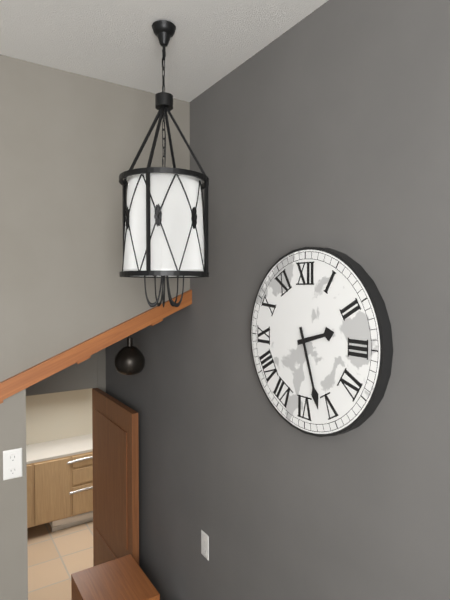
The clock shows 2.27
